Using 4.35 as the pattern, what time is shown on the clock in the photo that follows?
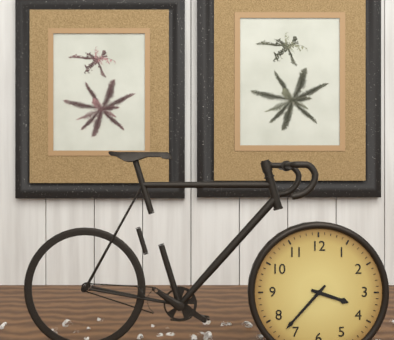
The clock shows 3.37
